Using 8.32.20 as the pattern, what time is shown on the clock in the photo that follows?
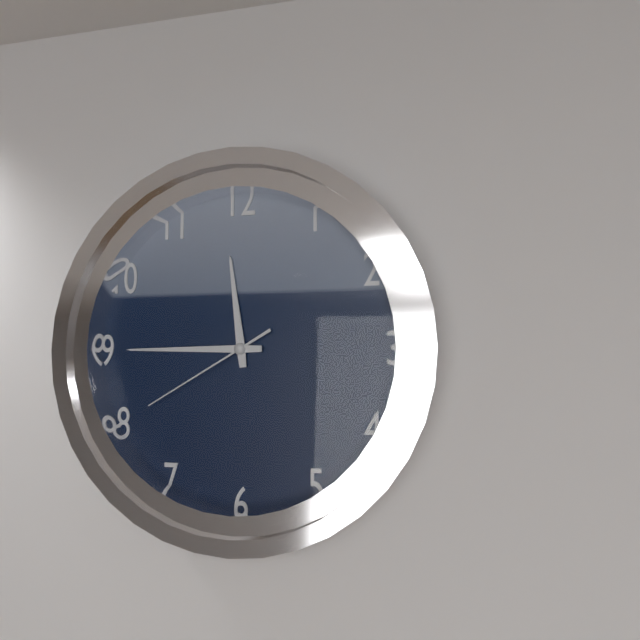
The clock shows 11.45.40
